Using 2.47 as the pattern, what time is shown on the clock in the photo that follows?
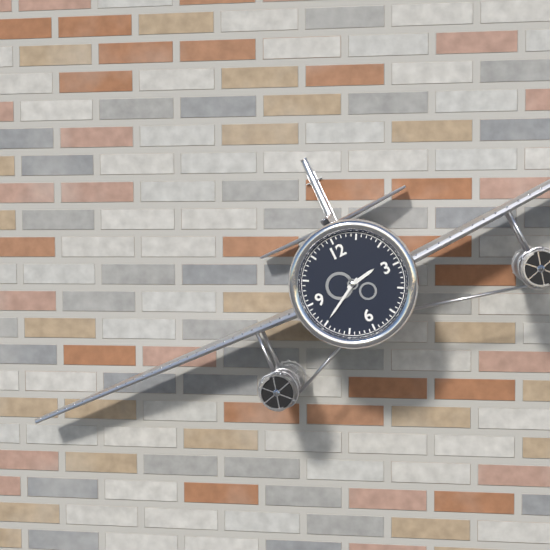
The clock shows 2.40
